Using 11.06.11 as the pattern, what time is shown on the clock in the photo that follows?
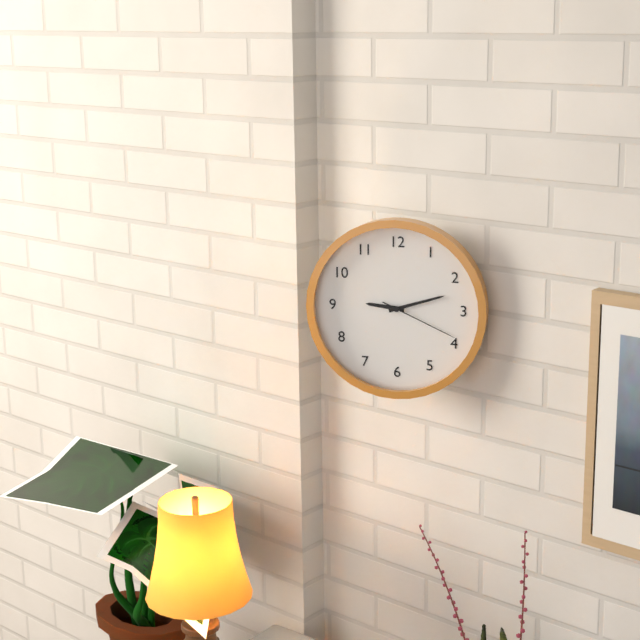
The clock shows 9.12.19
